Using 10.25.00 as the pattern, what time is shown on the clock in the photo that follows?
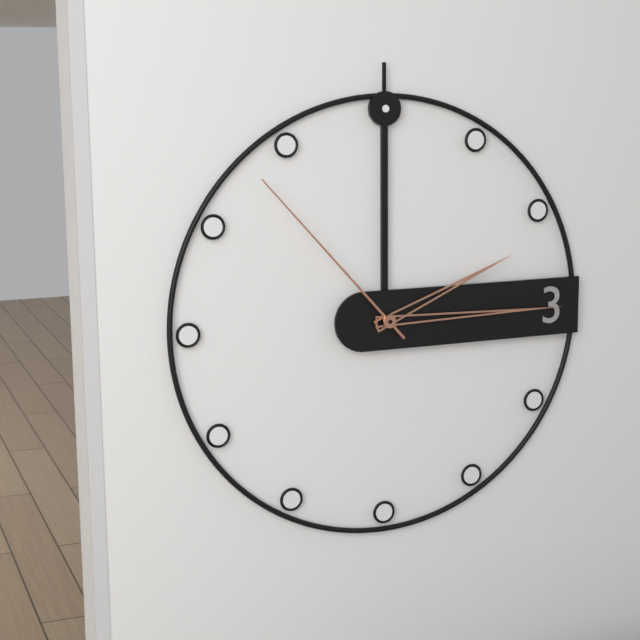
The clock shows 2.15.53
